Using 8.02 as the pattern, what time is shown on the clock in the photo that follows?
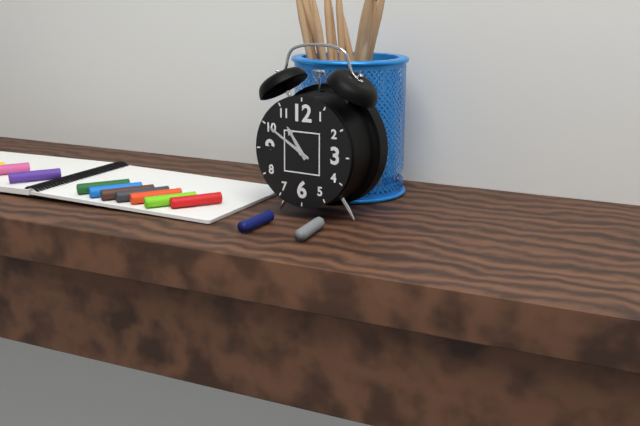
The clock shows 10.50
